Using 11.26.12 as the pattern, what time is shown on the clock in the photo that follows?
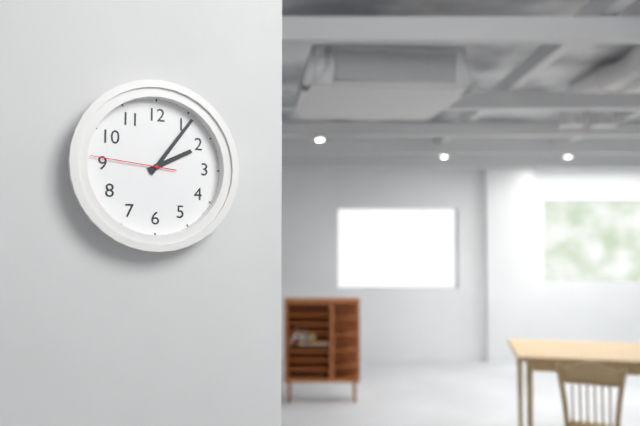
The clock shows 2.06.46
